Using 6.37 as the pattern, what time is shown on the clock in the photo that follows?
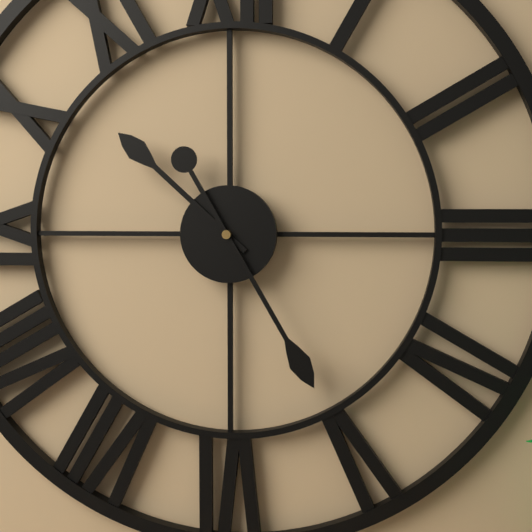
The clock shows 10.25
